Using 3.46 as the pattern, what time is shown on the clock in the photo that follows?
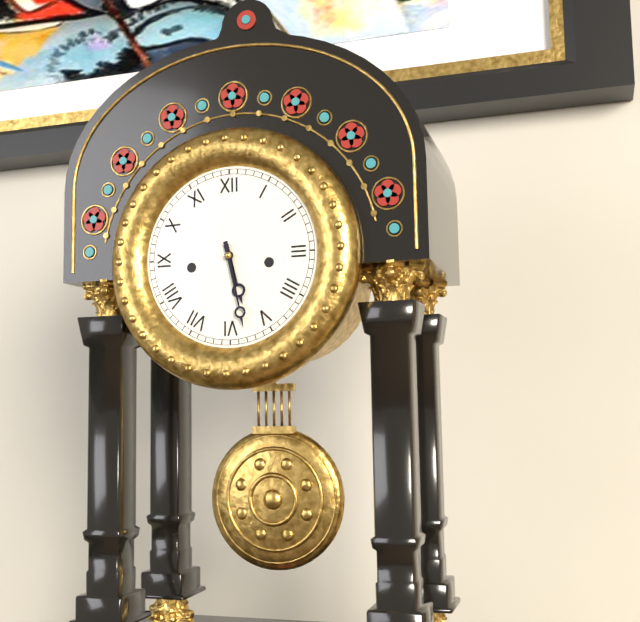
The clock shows 5.28
